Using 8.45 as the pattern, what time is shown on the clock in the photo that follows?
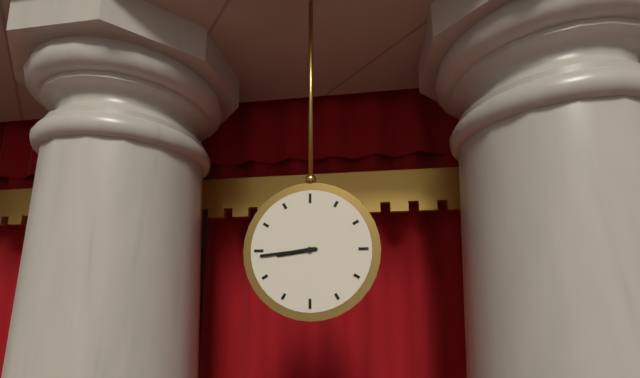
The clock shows 8.44
